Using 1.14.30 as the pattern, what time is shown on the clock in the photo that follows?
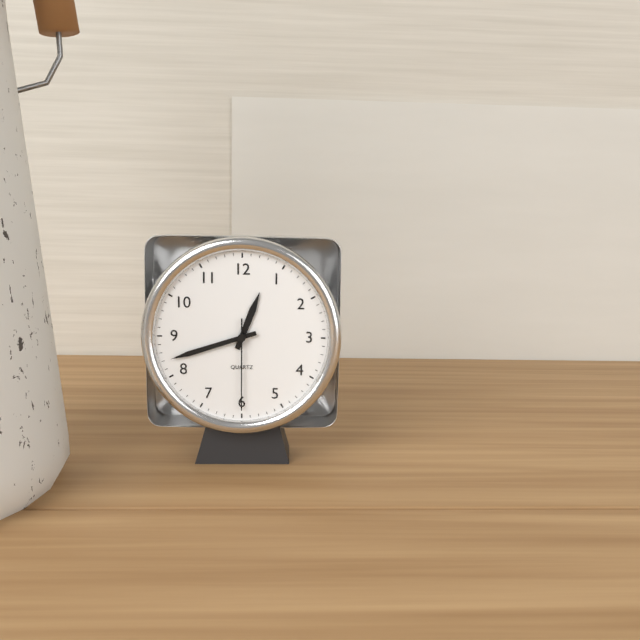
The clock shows 12.42.30
